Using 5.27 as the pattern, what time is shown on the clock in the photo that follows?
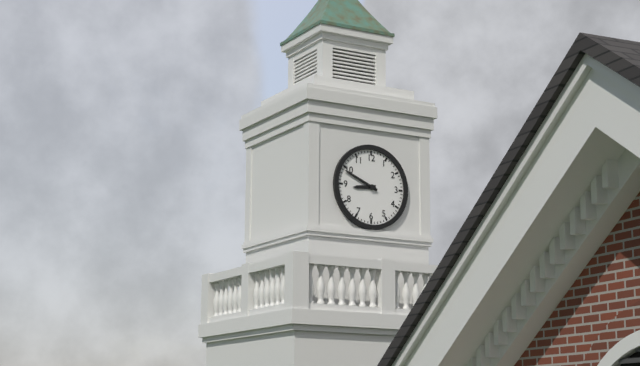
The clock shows 8.49
